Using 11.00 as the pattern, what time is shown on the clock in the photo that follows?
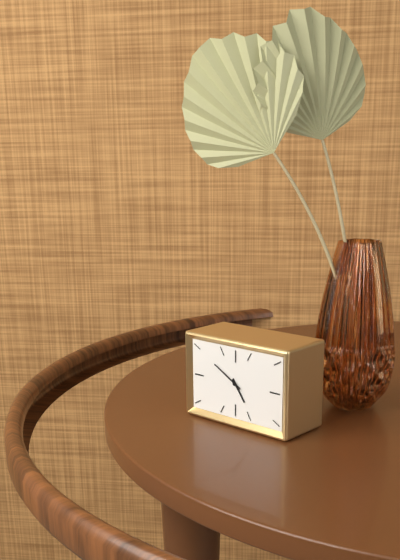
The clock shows 4.50
